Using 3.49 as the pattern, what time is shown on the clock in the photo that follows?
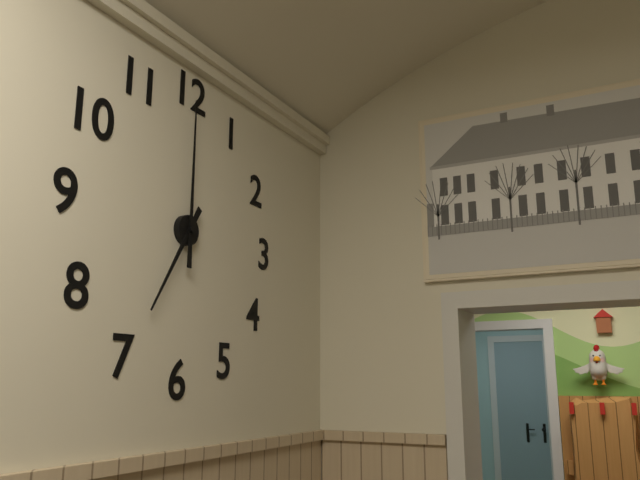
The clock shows 7.00
